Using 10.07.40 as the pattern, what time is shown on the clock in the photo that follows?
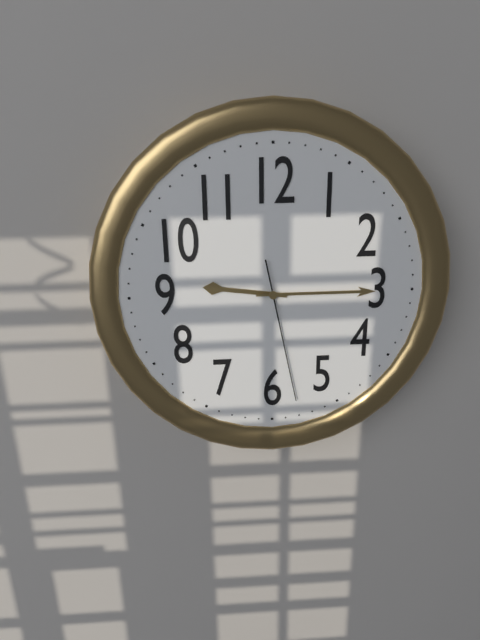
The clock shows 9.15.28
